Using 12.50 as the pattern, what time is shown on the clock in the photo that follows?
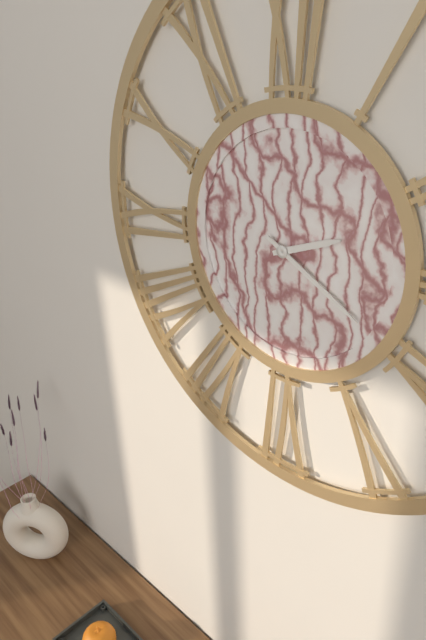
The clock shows 2.20
